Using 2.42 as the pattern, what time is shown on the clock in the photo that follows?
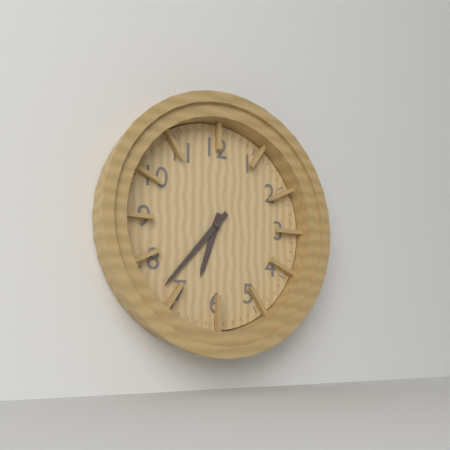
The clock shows 6.37
